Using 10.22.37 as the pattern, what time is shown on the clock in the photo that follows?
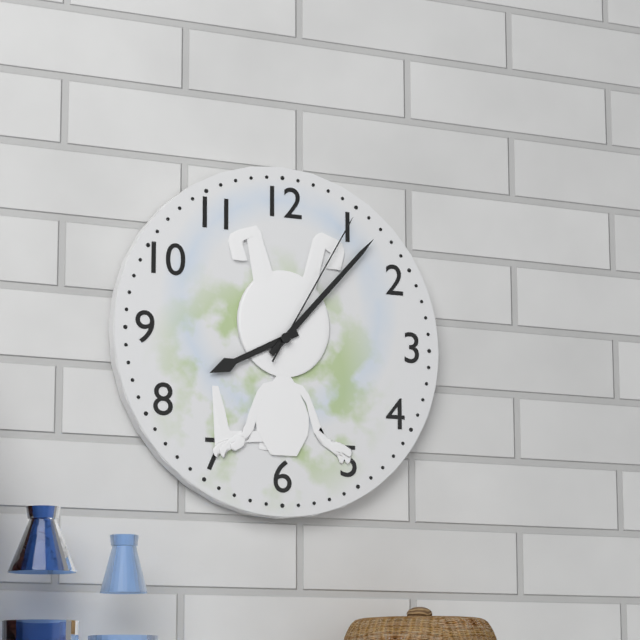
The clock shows 8.07.05
